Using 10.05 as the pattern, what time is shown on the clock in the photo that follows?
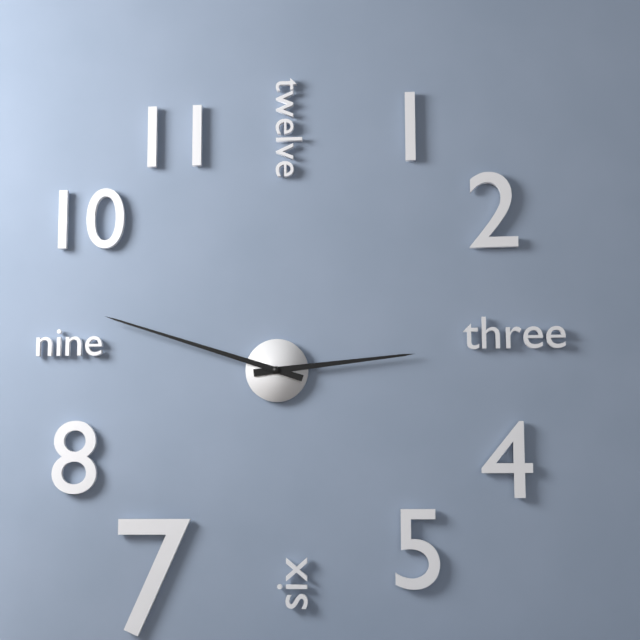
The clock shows 2.48
